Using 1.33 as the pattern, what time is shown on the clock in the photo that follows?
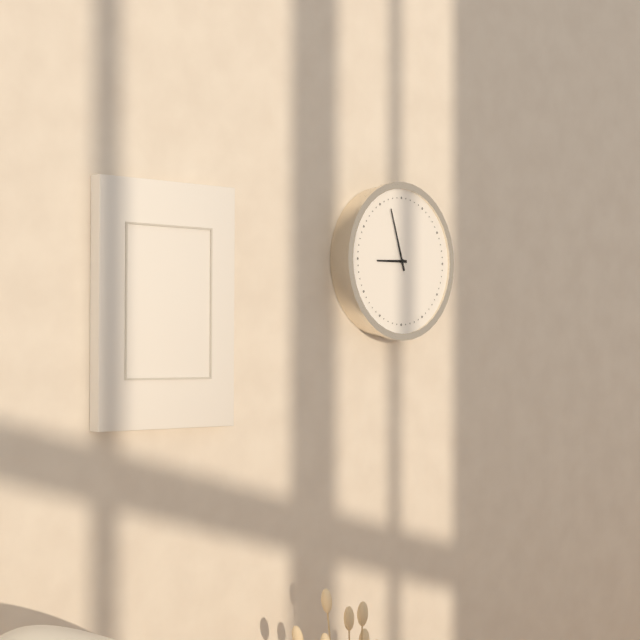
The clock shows 8.57
